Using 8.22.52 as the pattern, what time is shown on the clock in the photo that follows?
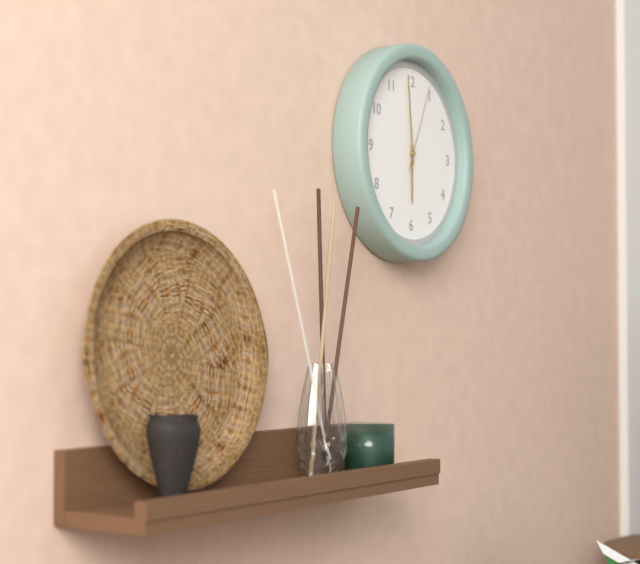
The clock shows 5.59.04
